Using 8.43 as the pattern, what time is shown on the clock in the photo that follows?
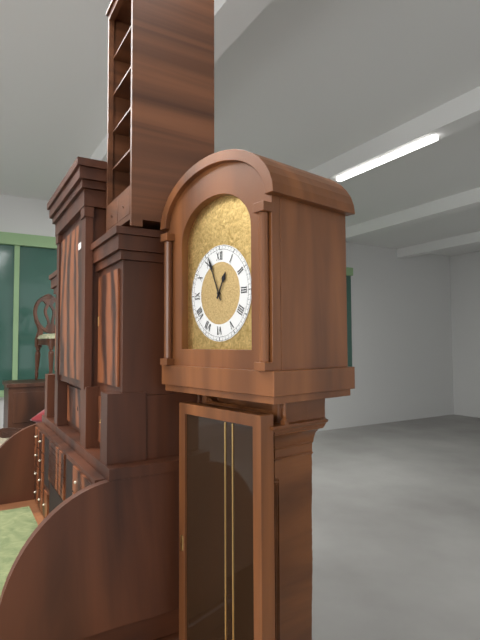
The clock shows 12.56
